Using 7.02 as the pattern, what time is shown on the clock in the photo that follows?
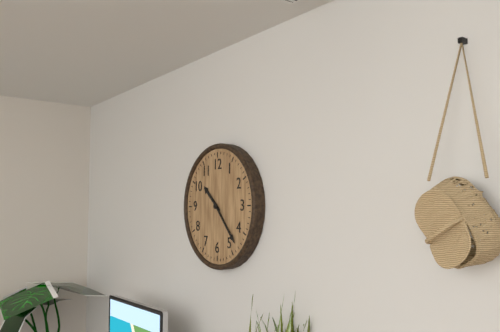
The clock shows 10.23
